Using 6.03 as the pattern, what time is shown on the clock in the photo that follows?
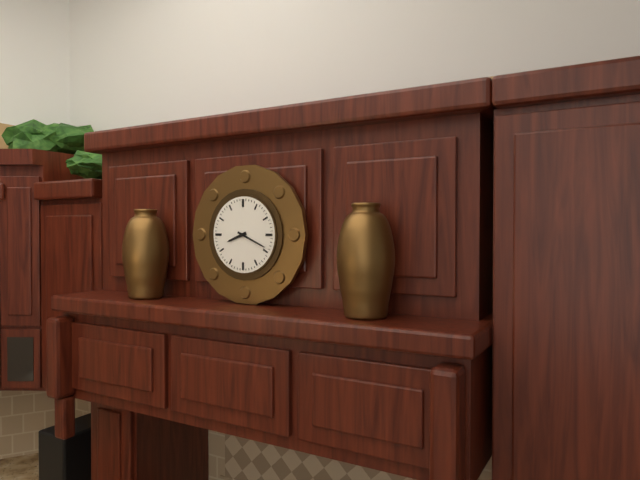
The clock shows 8.19
